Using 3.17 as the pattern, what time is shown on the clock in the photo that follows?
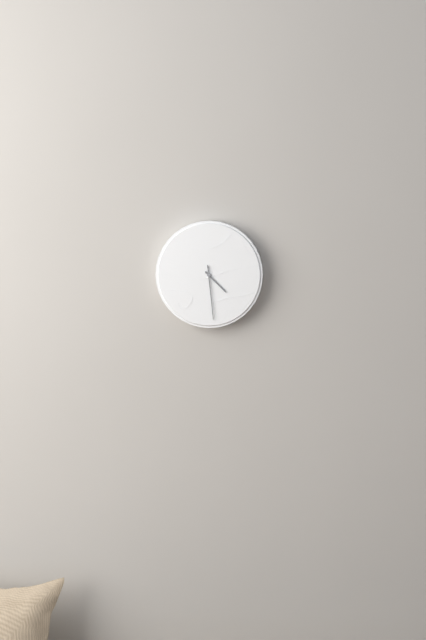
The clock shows 4.29
